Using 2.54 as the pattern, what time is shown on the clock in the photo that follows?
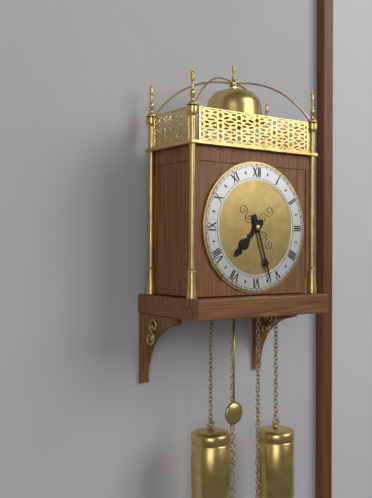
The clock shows 7.27
